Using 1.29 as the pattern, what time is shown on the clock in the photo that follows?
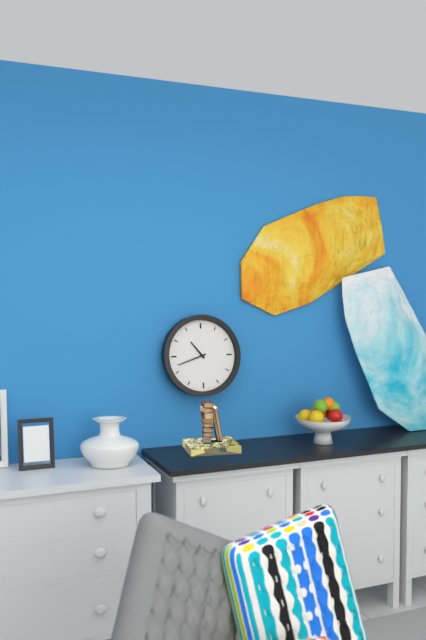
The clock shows 10.42
